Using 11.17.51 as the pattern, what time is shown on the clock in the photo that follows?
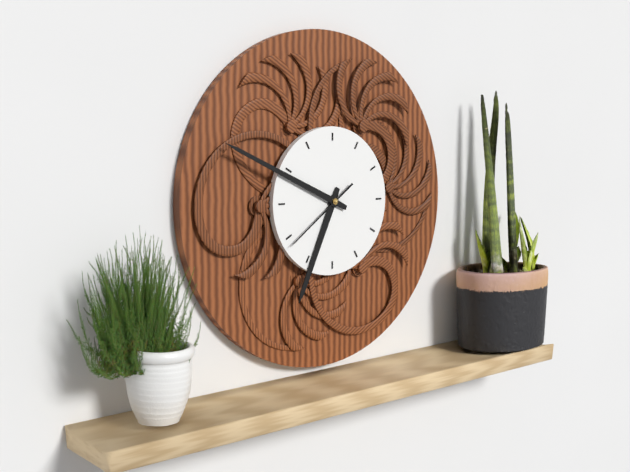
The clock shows 6.49.39
